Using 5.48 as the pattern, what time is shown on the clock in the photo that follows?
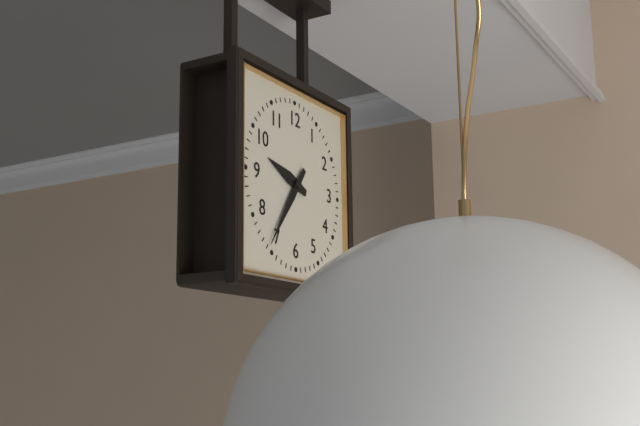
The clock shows 9.36
